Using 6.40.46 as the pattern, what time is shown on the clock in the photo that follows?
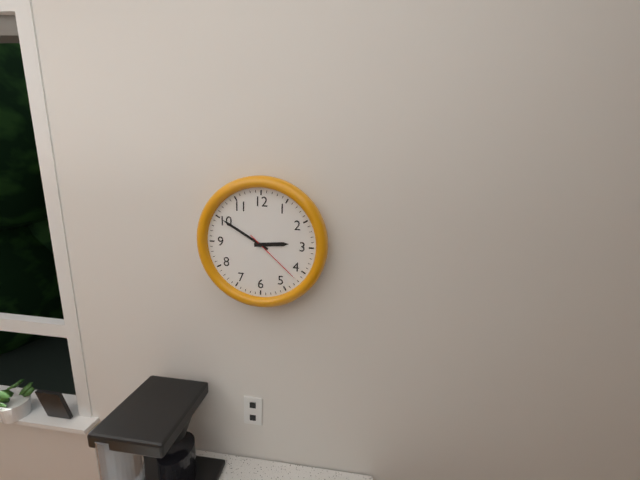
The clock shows 2.50.22
